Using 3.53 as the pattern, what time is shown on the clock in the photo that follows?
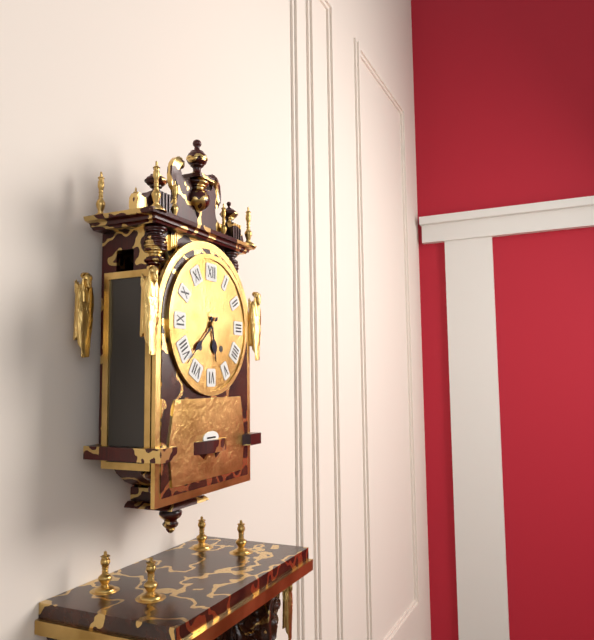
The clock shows 5.38
